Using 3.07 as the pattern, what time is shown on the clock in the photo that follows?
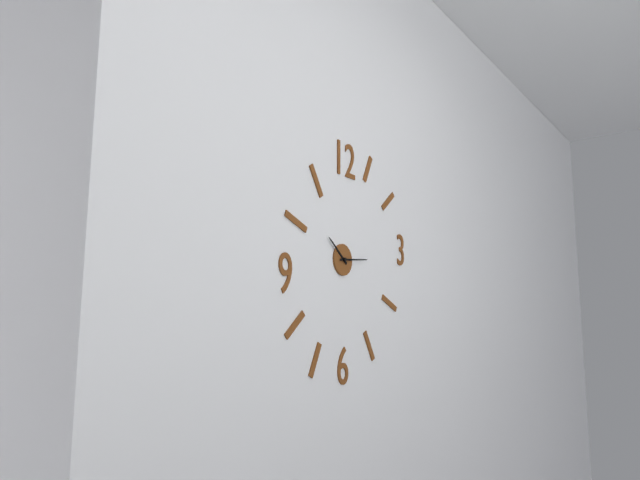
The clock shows 10.14
